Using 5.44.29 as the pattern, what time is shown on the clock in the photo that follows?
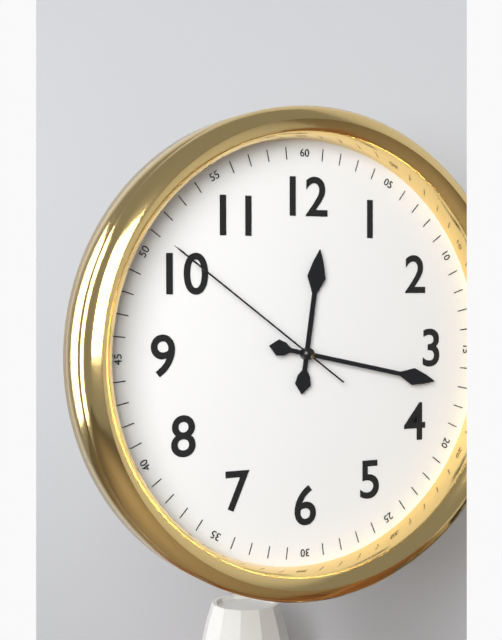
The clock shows 12.17.51
